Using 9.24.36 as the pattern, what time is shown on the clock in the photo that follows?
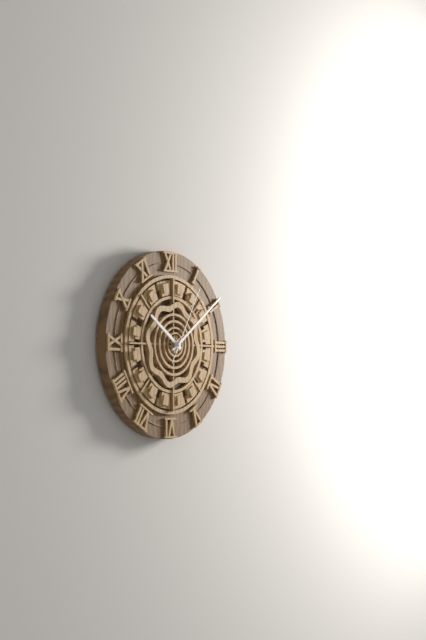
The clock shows 10.09.05
